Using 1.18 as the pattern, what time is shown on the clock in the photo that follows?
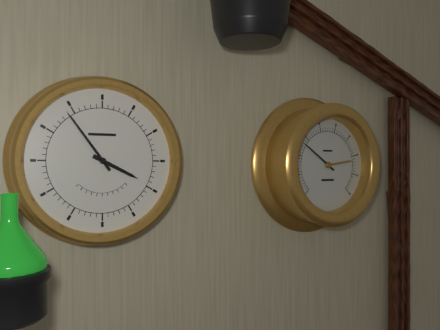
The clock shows 3.54
